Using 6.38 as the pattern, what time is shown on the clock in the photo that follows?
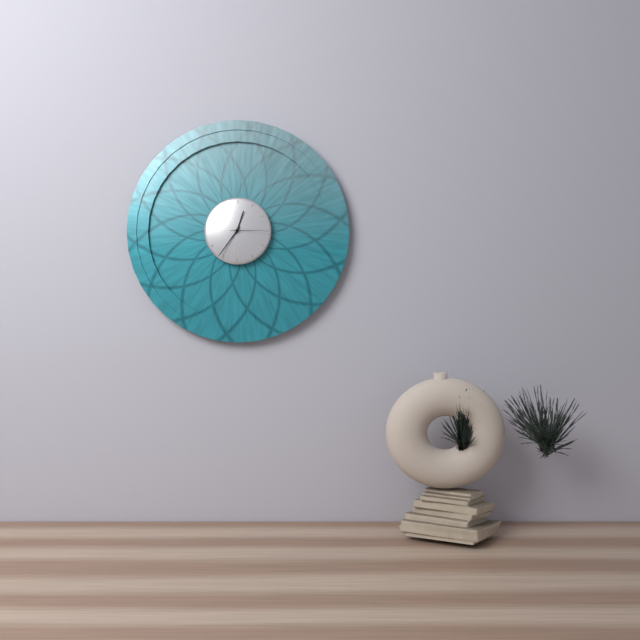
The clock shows 12.36
